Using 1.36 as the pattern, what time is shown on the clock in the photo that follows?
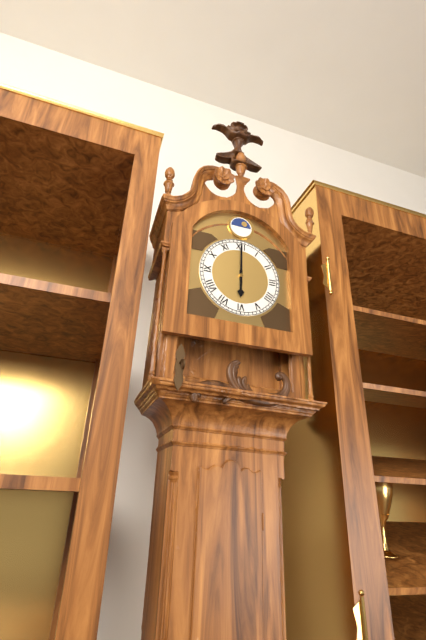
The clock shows 6.00
